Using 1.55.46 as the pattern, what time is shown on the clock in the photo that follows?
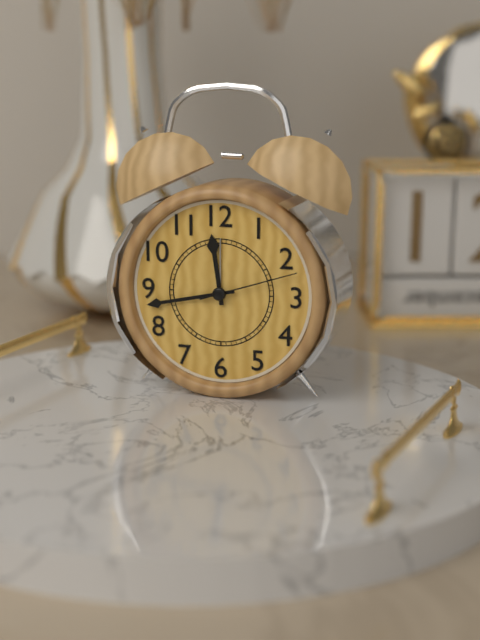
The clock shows 11.43.12
